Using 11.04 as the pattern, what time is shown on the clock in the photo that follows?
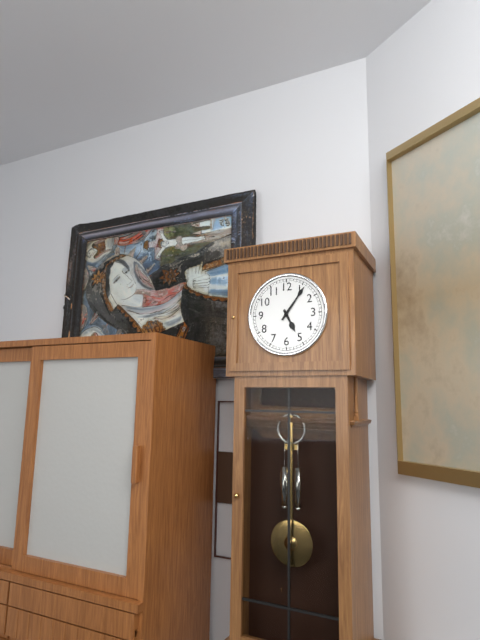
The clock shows 5.06
